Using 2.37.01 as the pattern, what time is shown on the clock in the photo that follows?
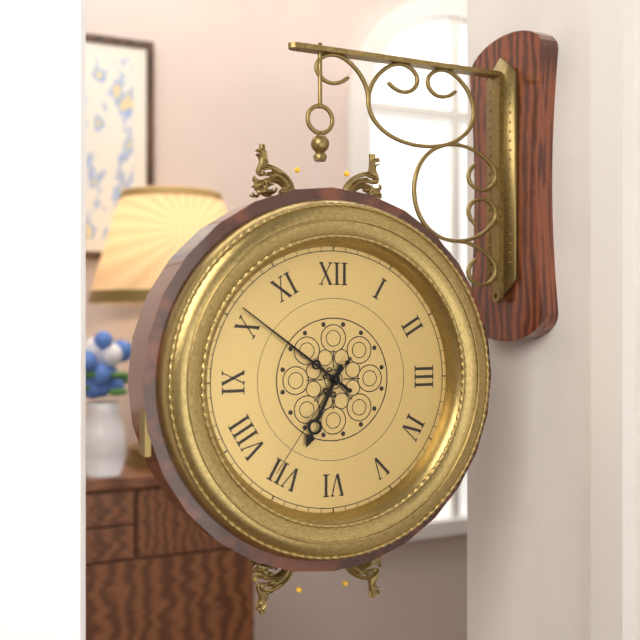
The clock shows 6.51.36
